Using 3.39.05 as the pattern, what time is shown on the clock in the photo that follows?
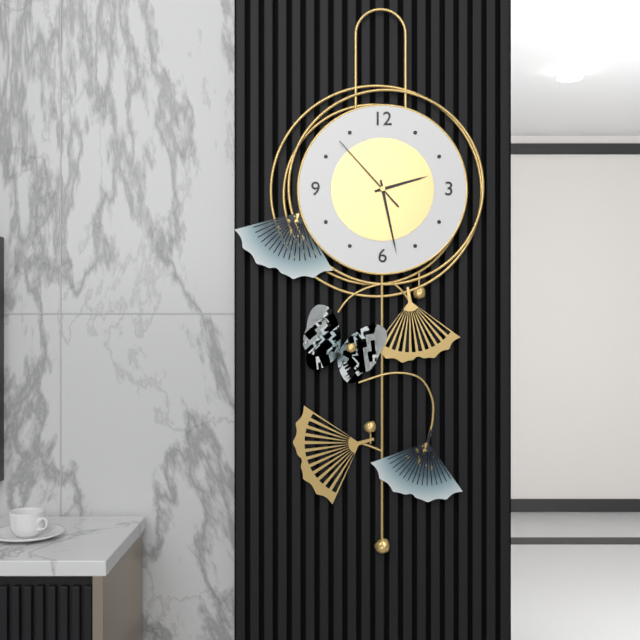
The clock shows 2.28.53
